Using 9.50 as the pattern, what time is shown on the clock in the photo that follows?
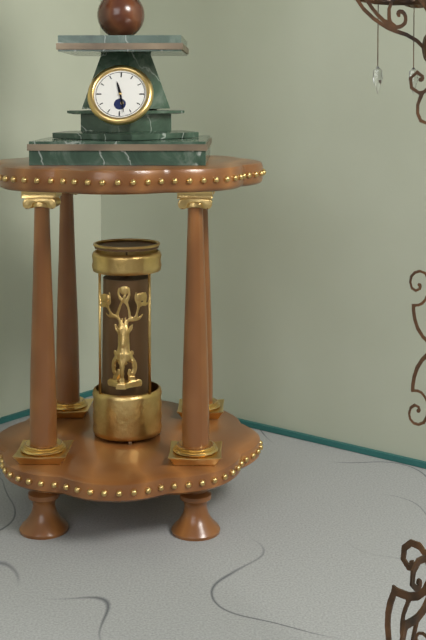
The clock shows 11.28
